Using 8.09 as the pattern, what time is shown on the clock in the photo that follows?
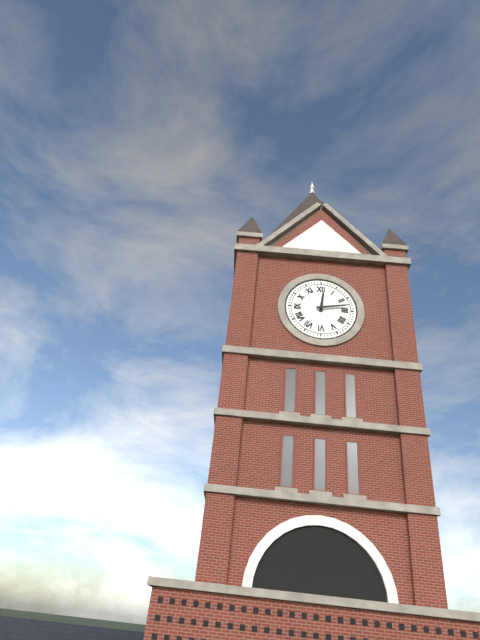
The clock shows 12.13
